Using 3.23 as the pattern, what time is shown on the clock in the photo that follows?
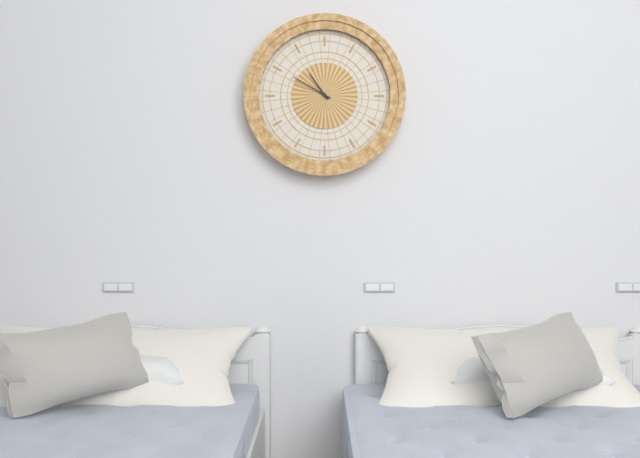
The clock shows 10.50
